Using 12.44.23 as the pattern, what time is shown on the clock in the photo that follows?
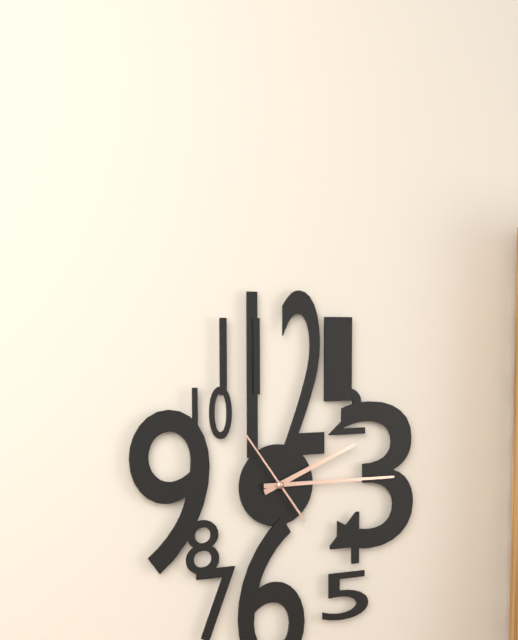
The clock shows 2.15.54
